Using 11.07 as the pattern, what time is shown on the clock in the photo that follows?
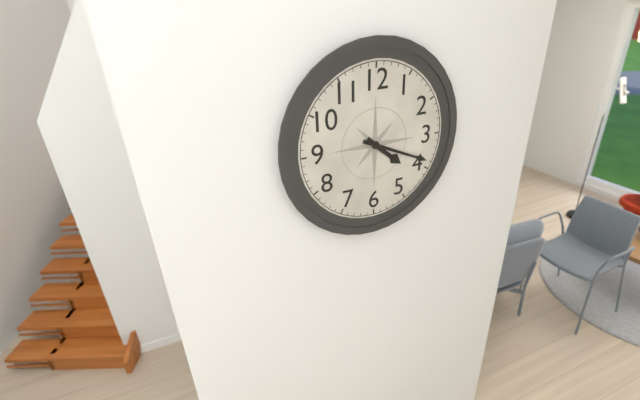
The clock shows 4.19
